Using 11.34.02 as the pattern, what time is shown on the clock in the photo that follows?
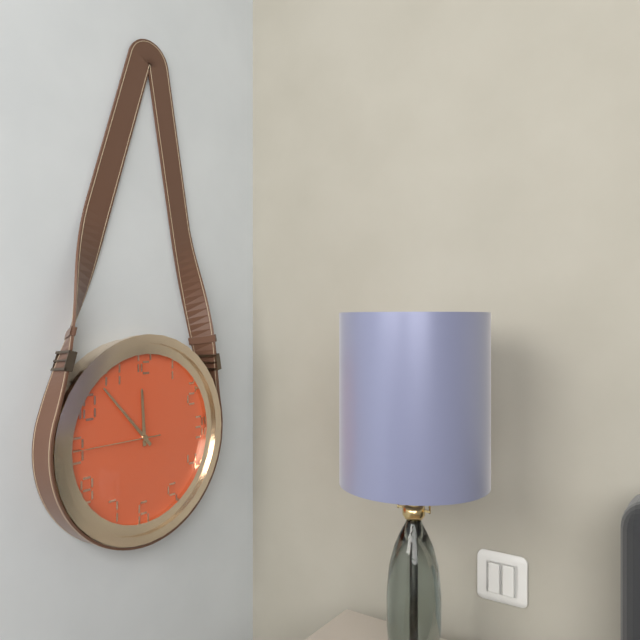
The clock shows 11.53.45
